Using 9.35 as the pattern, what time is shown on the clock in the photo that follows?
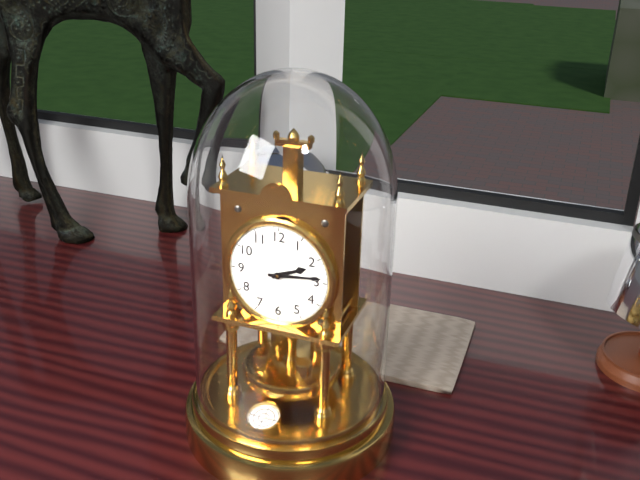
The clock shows 2.14
